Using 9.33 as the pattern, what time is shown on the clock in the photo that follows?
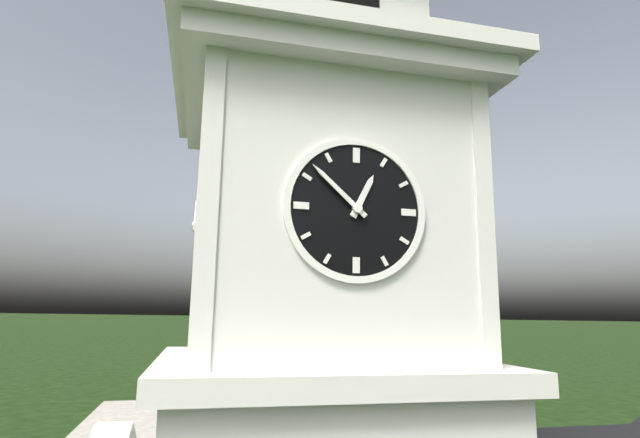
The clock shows 12.52
